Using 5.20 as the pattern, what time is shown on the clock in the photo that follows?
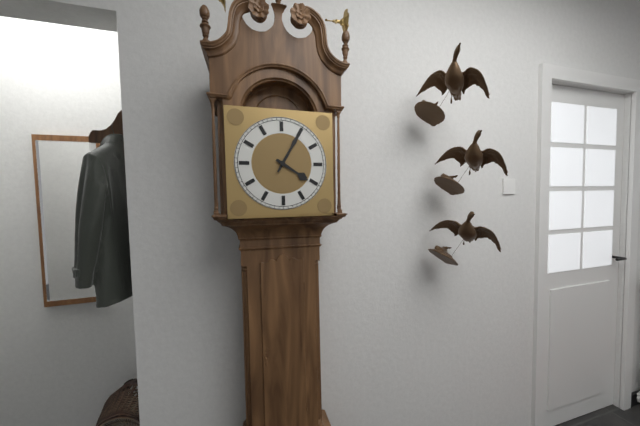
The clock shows 4.05
